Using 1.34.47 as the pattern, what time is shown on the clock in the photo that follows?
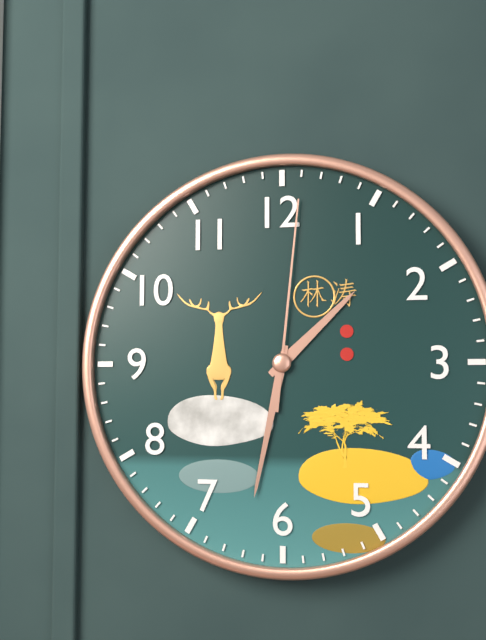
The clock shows 1.32.01
